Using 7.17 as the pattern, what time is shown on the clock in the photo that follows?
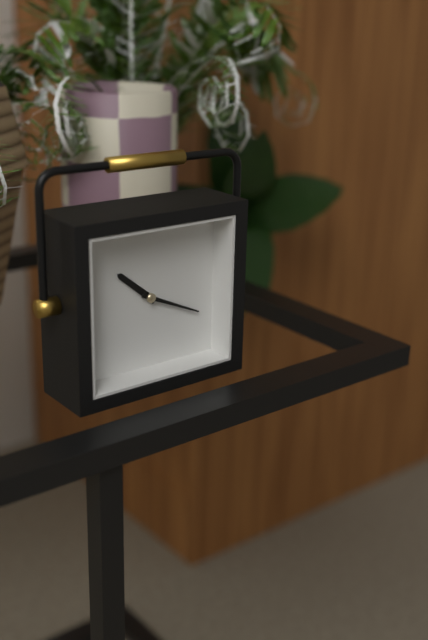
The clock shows 10.19
